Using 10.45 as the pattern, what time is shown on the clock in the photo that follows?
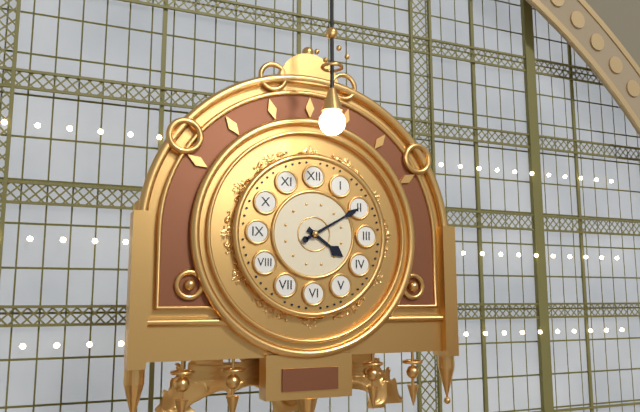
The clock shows 4.10
